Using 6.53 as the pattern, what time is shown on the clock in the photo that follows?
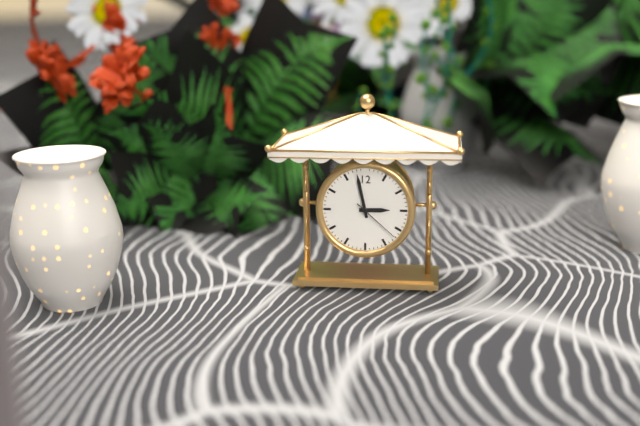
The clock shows 2.58
